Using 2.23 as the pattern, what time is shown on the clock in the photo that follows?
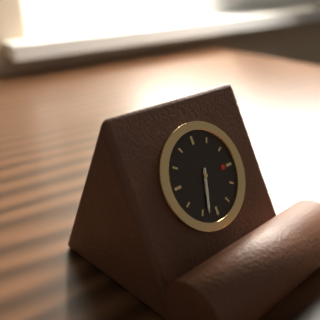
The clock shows 6.33
